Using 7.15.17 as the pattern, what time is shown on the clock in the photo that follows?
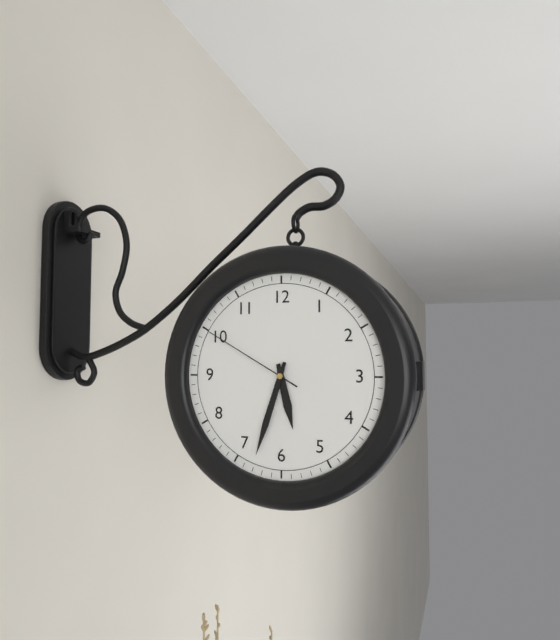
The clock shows 5.33.50
